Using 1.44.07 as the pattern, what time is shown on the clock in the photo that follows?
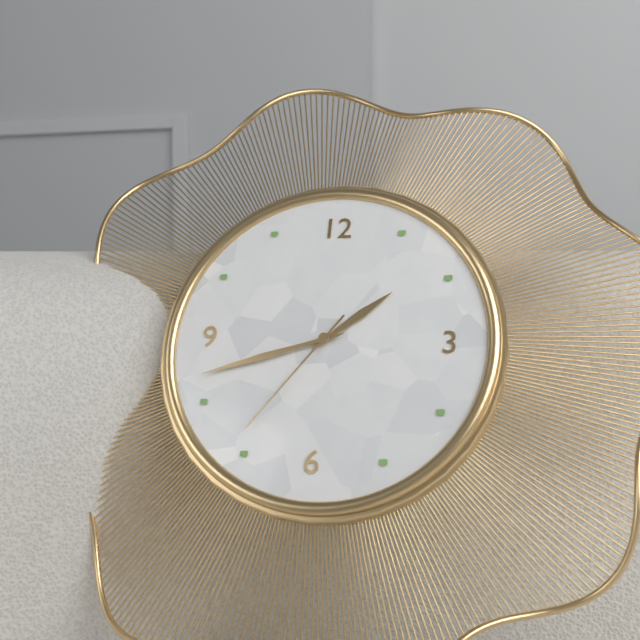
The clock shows 1.42.36
